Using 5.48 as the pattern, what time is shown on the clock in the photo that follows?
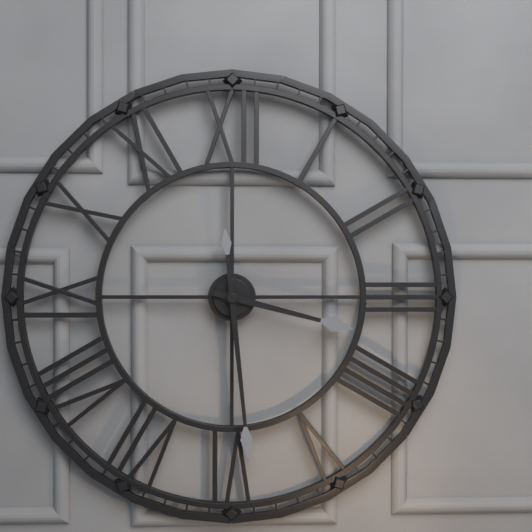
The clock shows 3.29
